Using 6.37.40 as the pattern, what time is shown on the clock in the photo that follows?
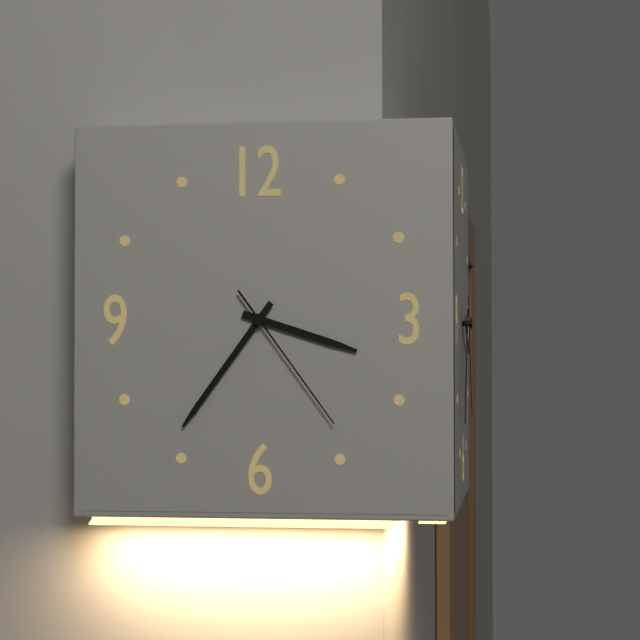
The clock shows 3.36.24
